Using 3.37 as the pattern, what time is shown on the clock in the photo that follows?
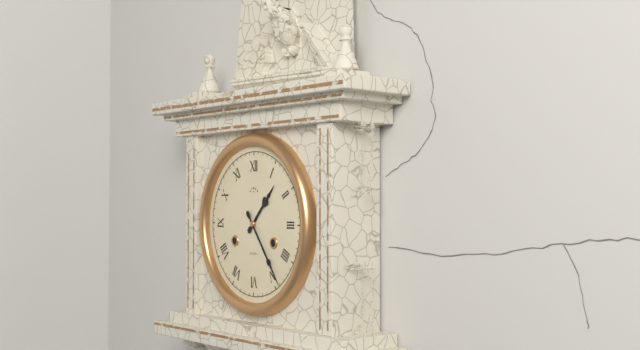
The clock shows 1.24
